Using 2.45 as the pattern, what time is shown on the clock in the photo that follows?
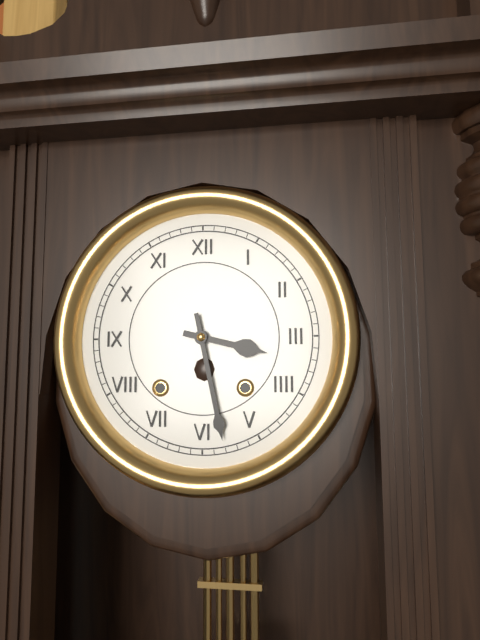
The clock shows 3.28
